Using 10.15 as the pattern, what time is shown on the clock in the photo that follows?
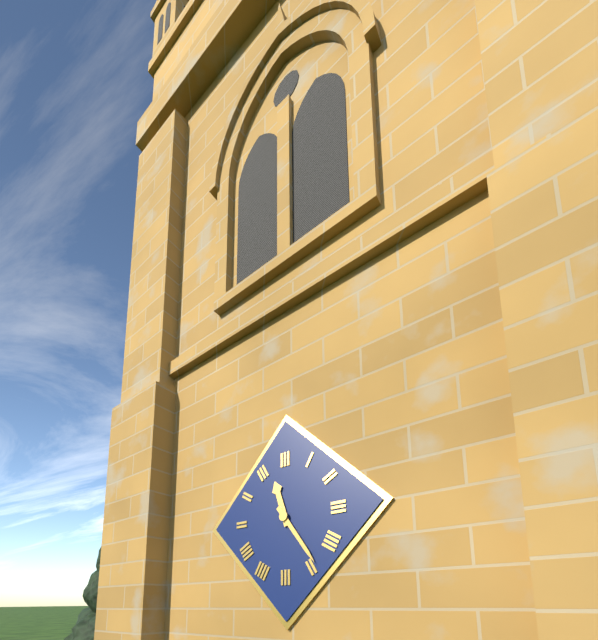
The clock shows 11.24
